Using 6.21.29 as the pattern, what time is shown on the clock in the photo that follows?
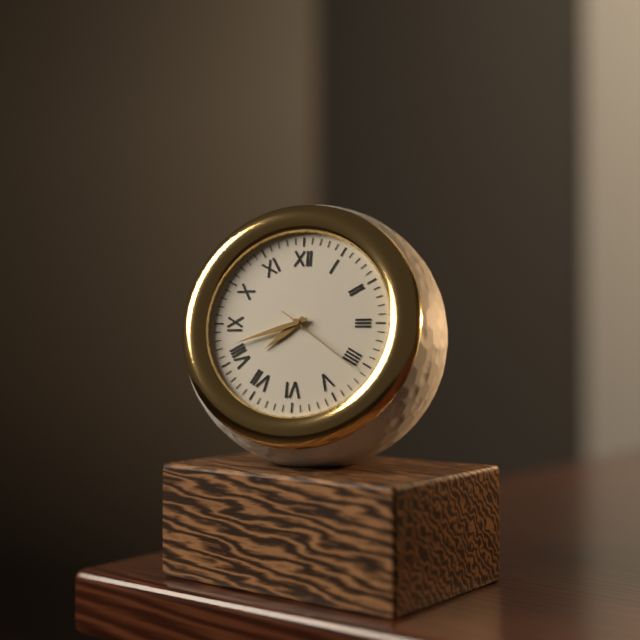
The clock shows 7.42.21
